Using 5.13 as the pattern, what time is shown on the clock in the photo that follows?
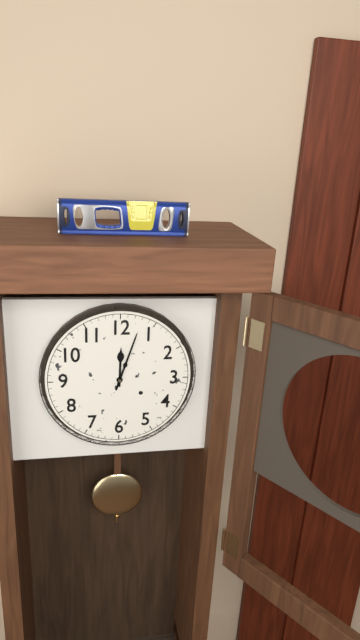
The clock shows 12.03
